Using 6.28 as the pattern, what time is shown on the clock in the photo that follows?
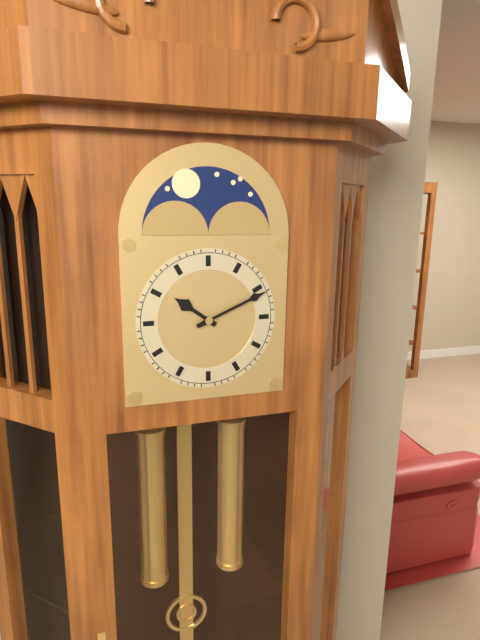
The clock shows 10.11
